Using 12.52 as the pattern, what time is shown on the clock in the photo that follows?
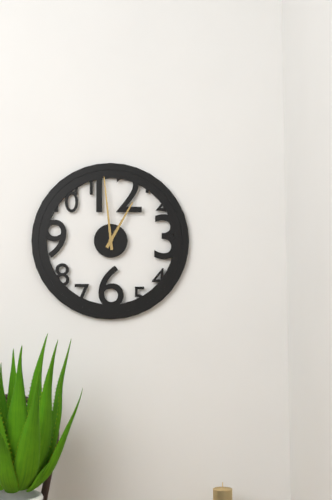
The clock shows 12.59
